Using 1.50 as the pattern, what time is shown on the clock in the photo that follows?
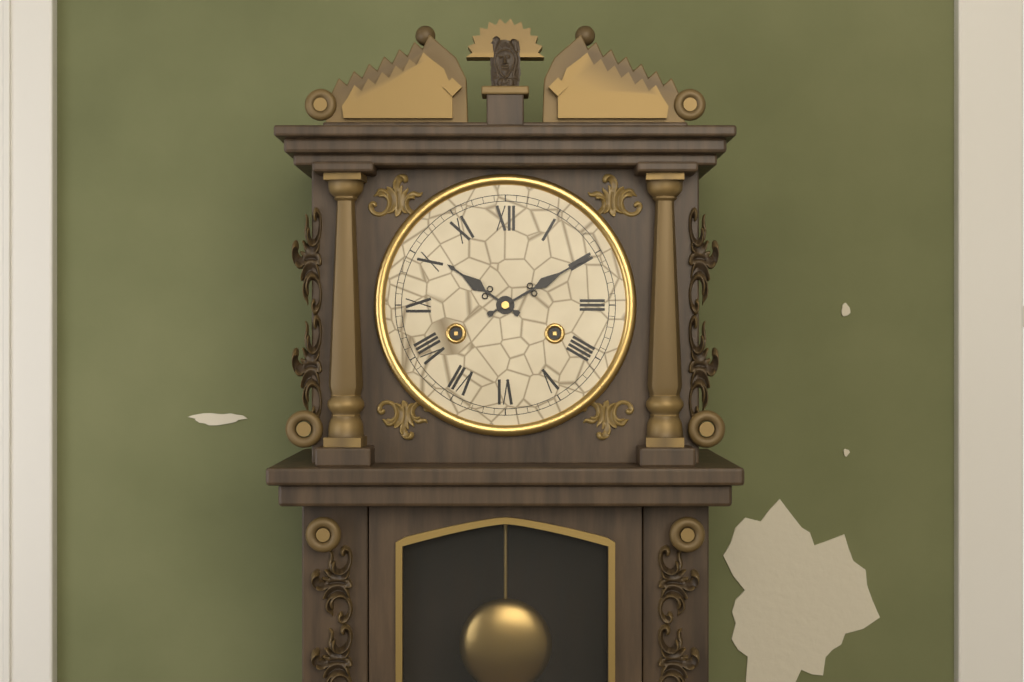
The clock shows 10.10
